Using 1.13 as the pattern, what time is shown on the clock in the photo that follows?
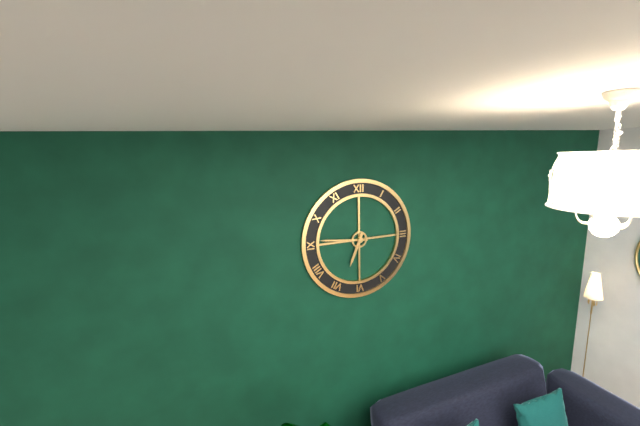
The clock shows 6.46
